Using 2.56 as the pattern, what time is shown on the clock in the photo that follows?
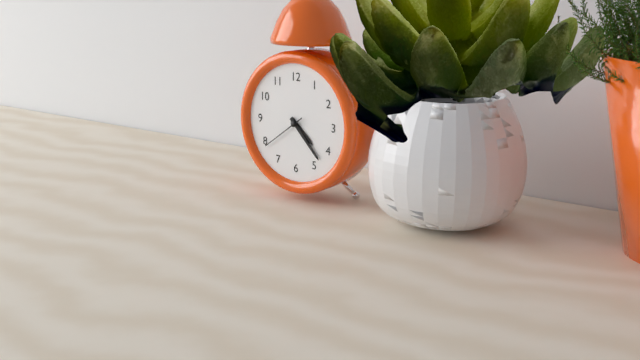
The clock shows 4.23
